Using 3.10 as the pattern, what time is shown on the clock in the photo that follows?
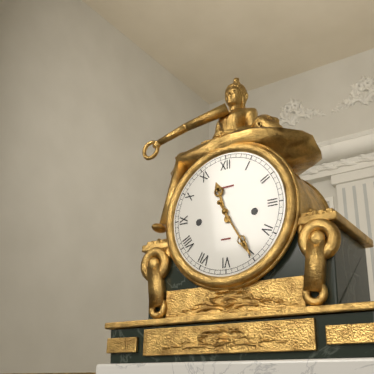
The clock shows 11.25
